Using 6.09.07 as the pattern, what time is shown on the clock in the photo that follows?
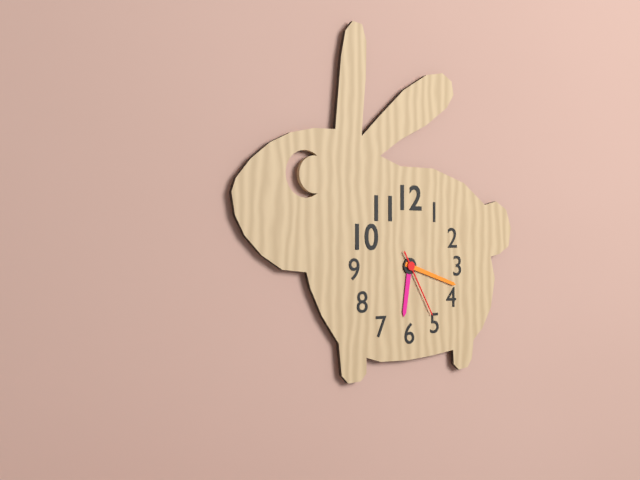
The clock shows 6.18.25
